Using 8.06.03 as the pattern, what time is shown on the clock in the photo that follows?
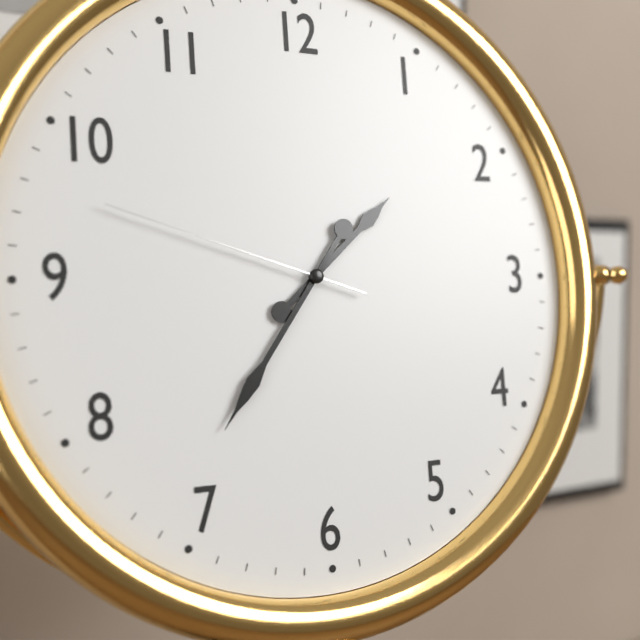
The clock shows 1.36.48
